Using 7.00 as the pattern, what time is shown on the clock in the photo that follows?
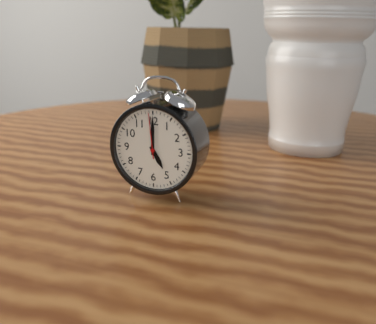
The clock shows 5.00
